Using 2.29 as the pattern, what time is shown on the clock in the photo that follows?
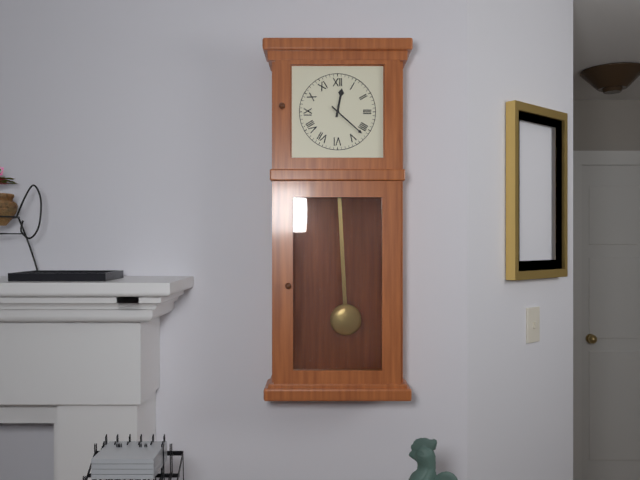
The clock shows 12.22
